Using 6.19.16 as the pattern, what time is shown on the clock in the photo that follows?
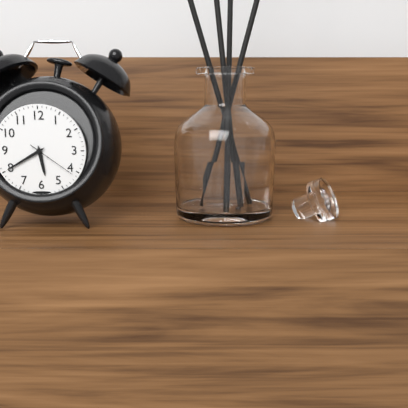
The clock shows 5.40.21
